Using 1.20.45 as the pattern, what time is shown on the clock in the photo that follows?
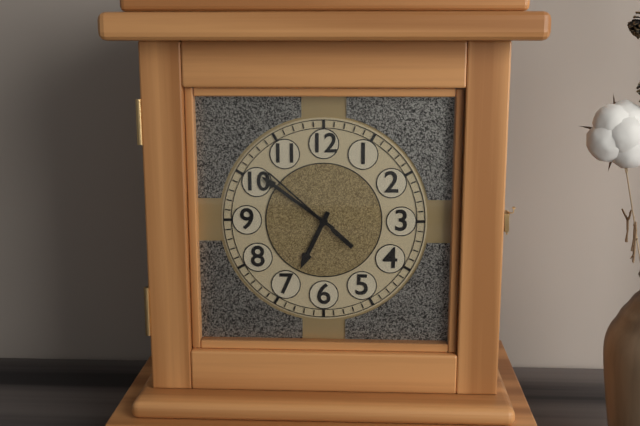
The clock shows 6.51.52
